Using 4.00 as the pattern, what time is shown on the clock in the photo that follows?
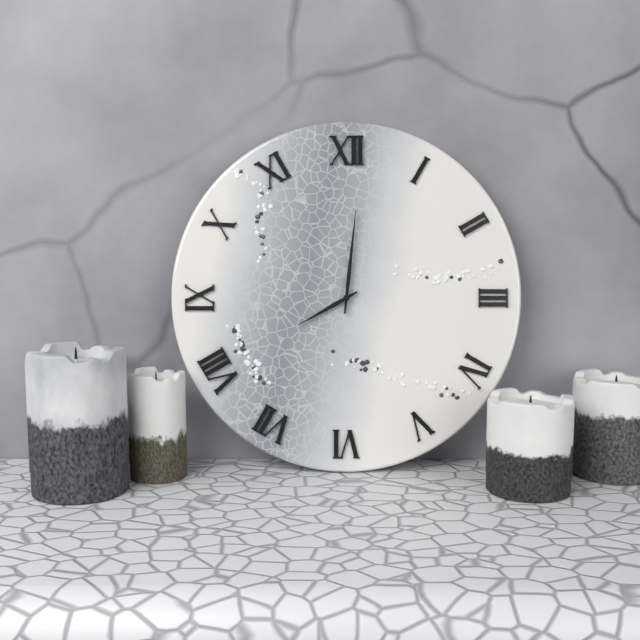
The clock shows 8.01
